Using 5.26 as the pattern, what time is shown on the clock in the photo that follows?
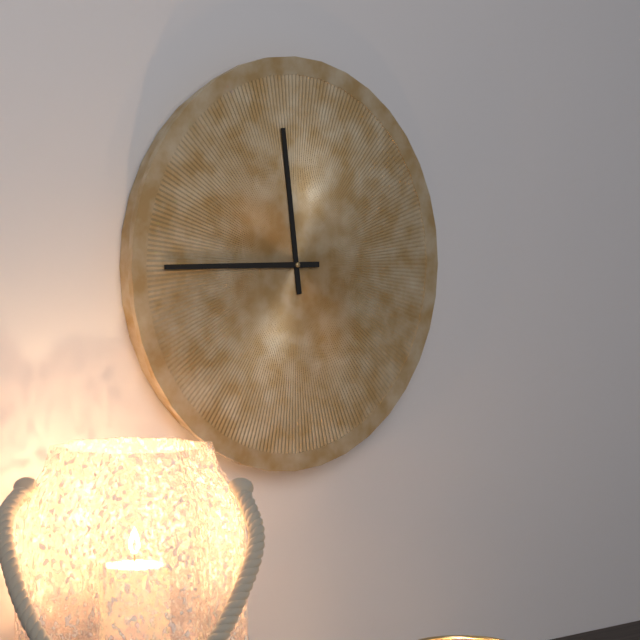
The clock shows 11.45
